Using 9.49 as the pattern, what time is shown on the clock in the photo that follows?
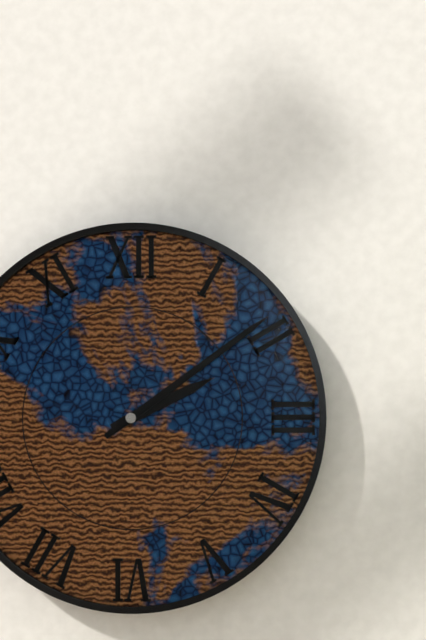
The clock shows 2.09
